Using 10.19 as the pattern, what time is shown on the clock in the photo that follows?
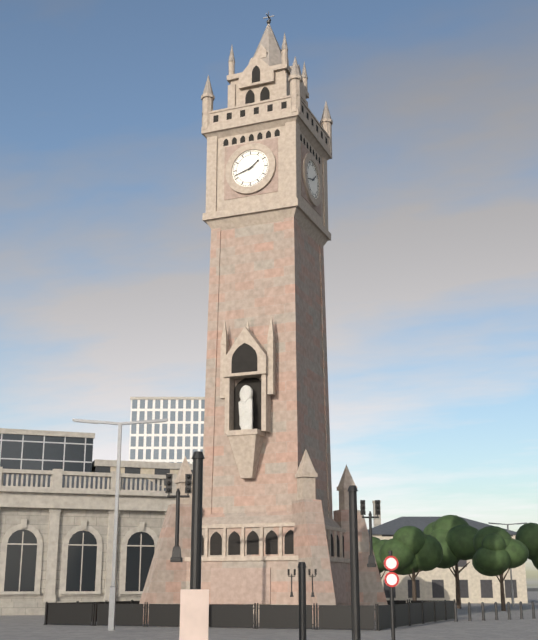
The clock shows 1.42
